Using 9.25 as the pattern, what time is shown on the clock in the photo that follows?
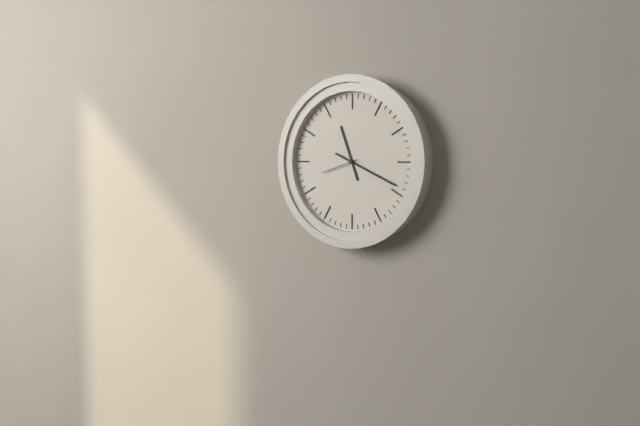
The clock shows 11.19
